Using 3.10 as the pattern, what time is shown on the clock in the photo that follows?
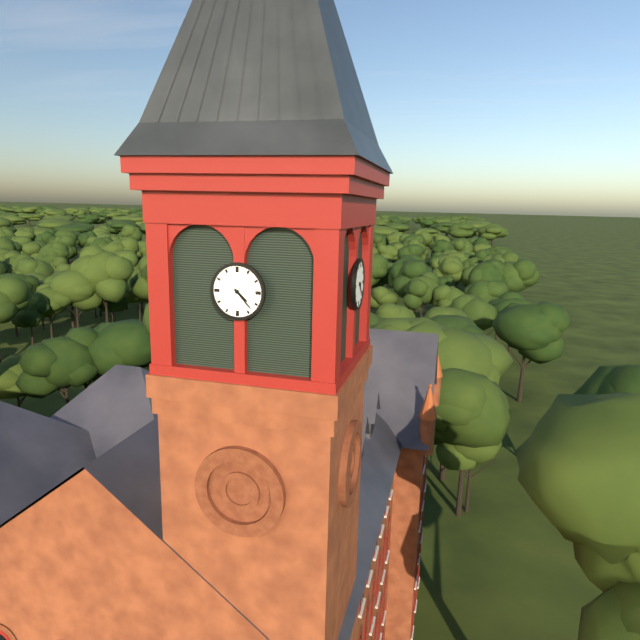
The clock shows 4.23
